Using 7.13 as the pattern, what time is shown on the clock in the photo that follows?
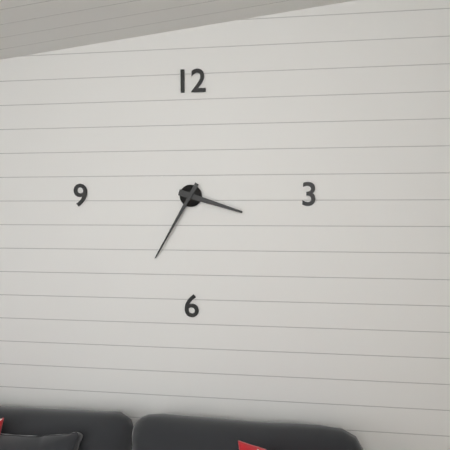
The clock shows 3.35
